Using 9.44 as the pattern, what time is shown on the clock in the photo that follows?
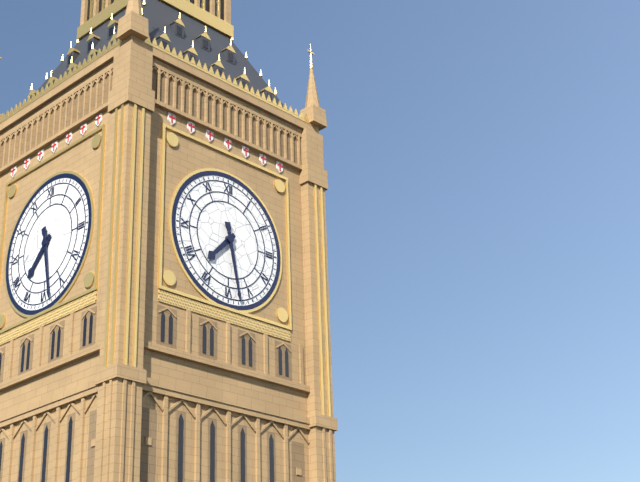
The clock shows 7.28
